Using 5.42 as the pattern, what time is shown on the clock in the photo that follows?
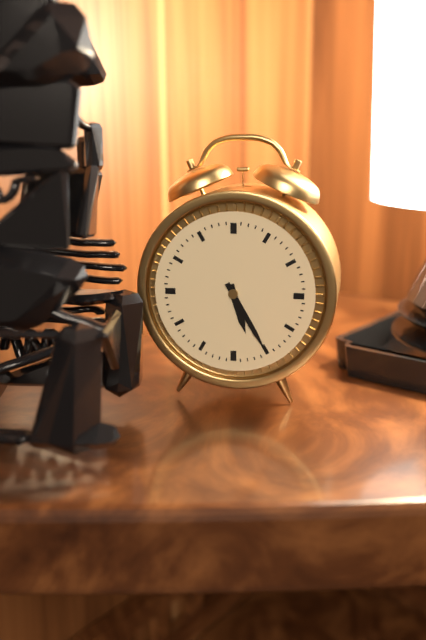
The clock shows 5.25
